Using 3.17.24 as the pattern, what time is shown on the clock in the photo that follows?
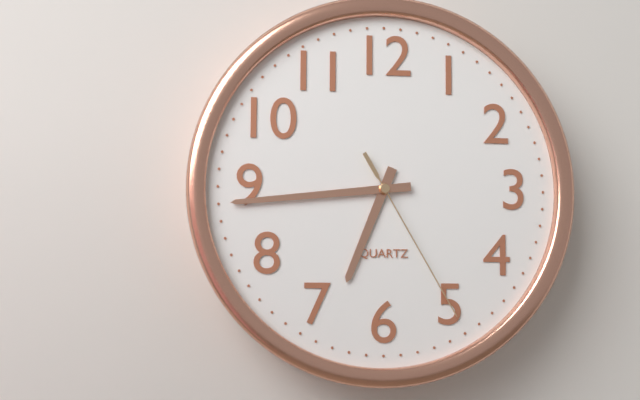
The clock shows 6.44.25
